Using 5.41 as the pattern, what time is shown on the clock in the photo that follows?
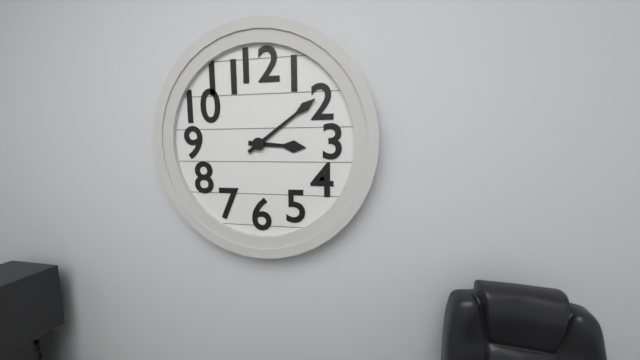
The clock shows 3.09
